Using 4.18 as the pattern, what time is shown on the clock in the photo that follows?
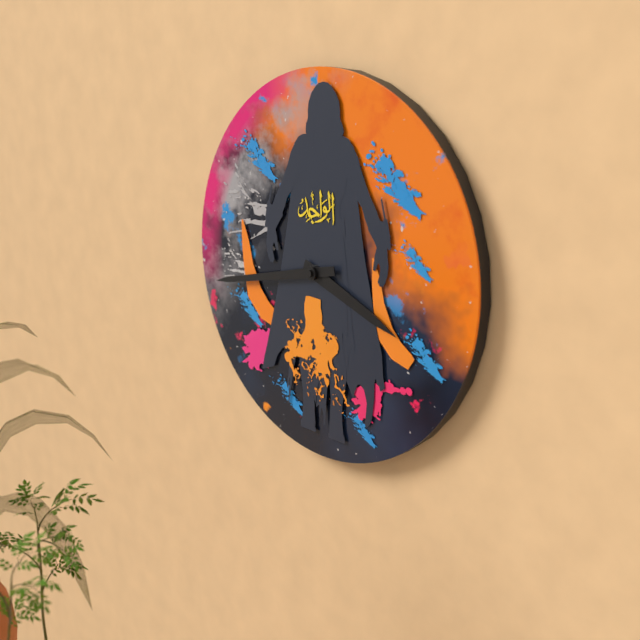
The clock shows 3.43
